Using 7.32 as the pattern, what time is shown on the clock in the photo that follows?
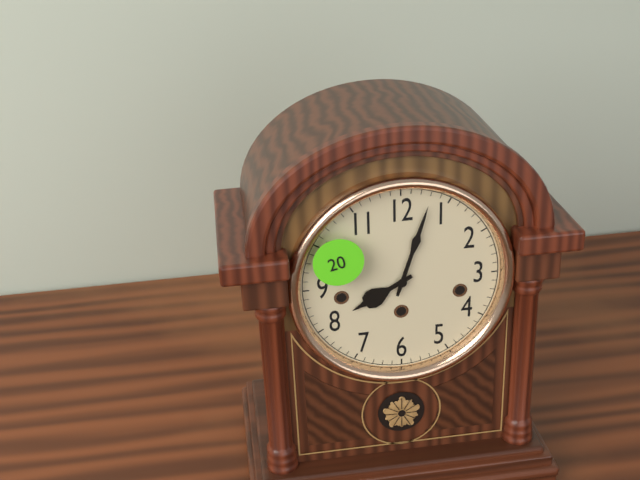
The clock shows 8.03
